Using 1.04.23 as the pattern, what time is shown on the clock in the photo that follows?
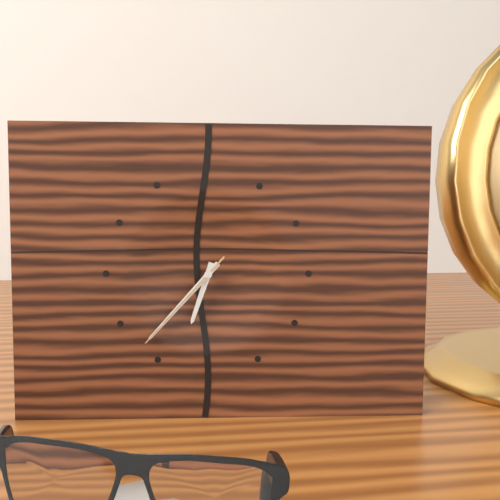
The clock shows 6.37.37
